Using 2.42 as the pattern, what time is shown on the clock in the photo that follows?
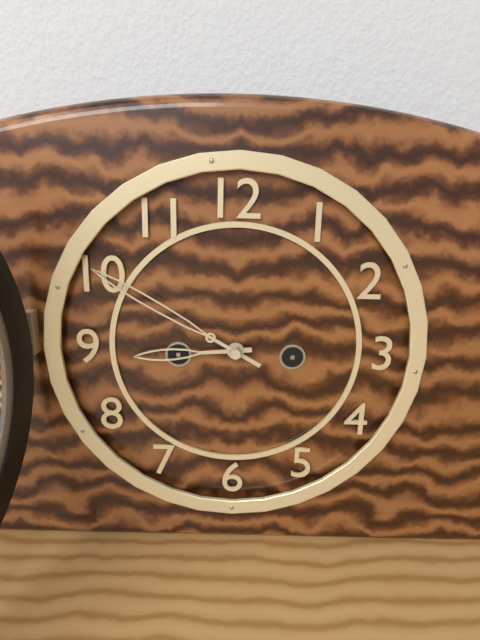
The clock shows 8.50
